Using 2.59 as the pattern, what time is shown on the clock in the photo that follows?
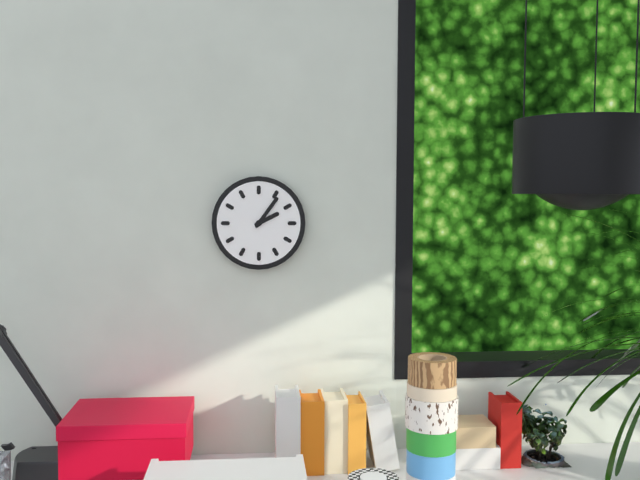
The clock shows 2.06
